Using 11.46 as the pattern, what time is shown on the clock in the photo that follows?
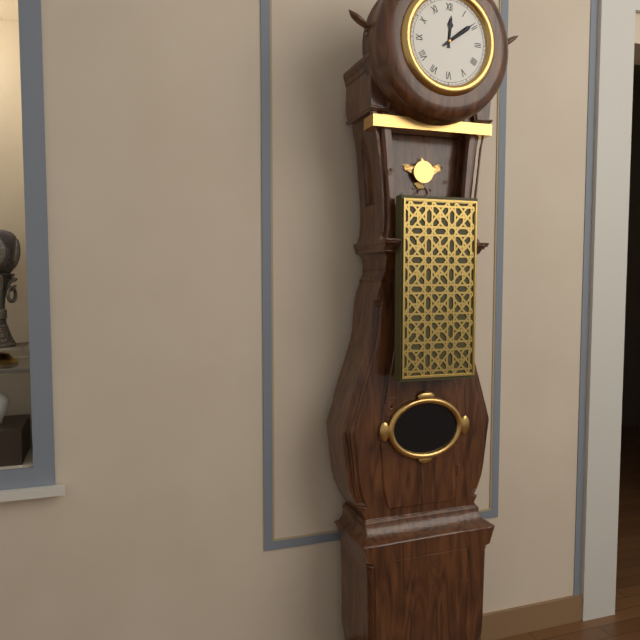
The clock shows 12.09
